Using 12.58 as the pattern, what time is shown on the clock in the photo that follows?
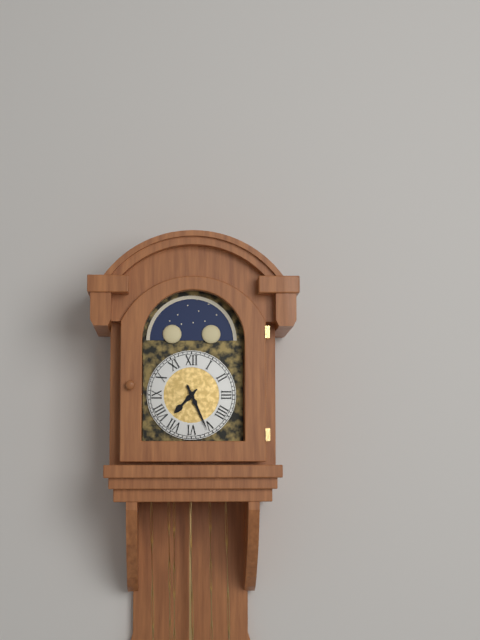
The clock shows 7.26
